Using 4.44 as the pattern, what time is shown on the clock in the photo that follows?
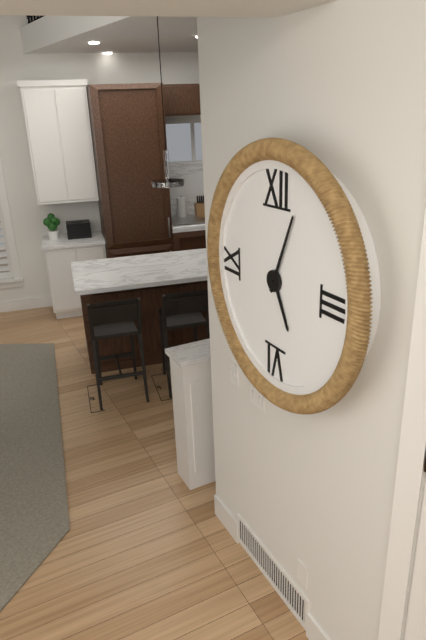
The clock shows 5.04
